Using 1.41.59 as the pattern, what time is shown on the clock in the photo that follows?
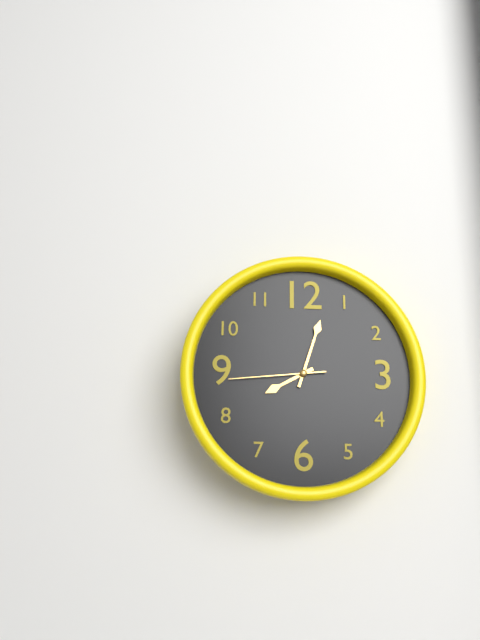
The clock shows 8.03.44
